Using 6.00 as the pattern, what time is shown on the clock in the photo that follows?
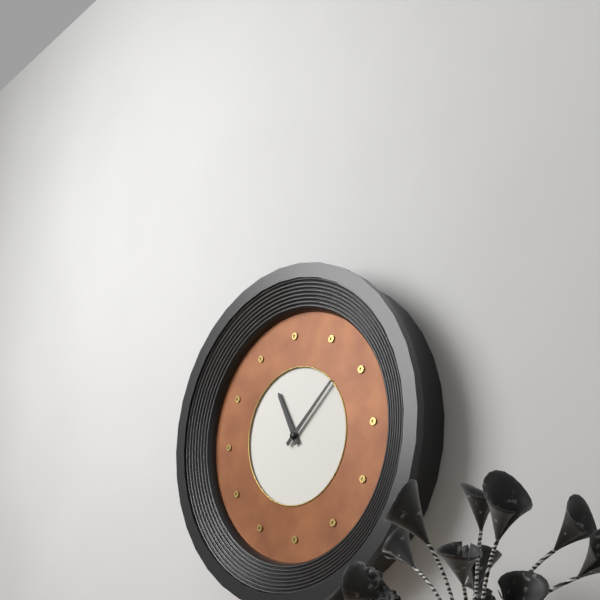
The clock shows 11.08
